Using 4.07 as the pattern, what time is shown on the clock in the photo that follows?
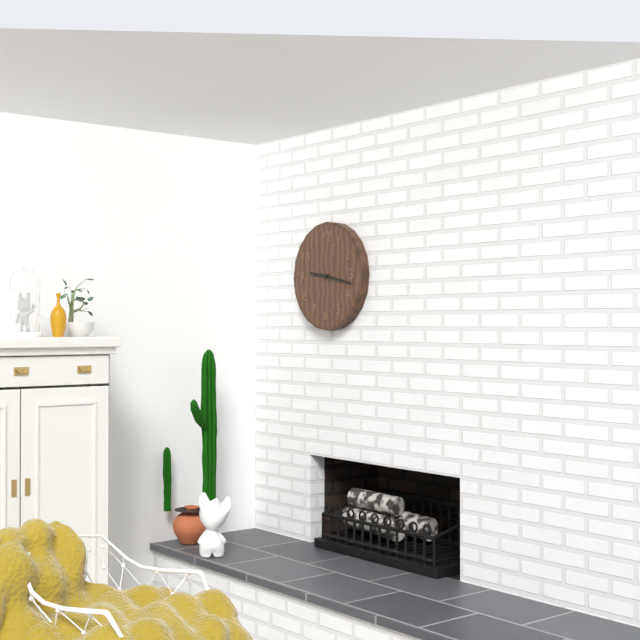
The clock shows 9.17
